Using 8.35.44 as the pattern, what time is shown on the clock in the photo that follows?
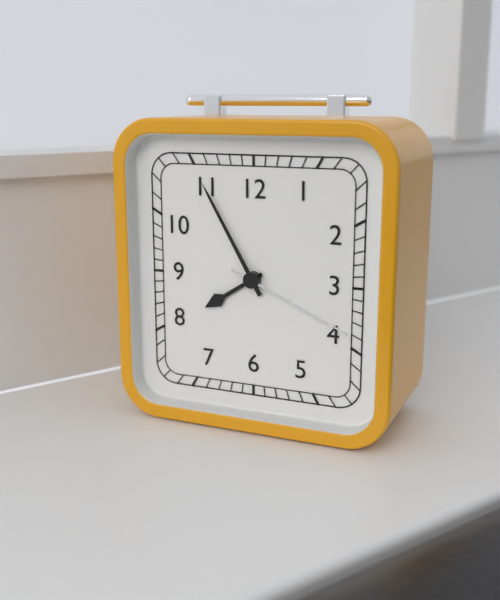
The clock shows 7.55.19
